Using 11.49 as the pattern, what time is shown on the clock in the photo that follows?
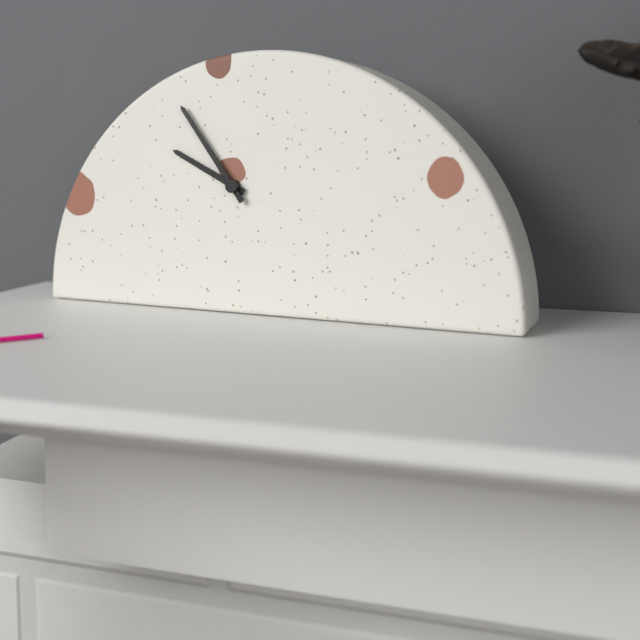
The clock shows 9.54
